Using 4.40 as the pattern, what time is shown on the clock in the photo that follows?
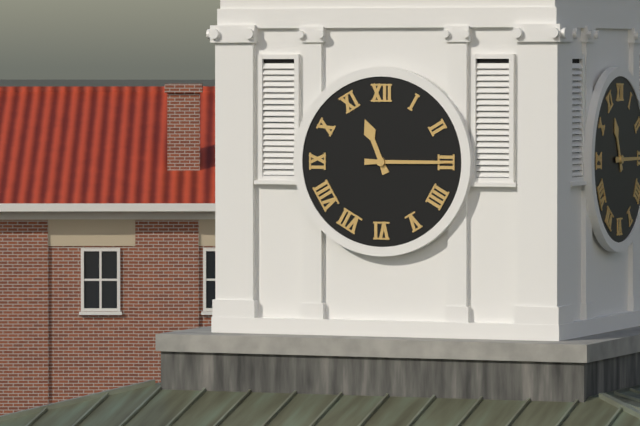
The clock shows 11.15
